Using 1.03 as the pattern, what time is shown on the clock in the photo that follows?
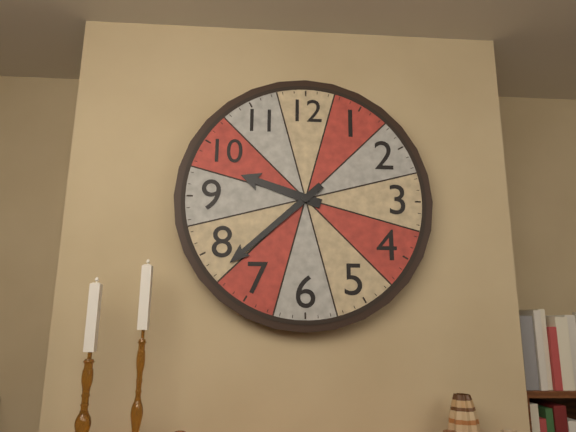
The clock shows 9.38
